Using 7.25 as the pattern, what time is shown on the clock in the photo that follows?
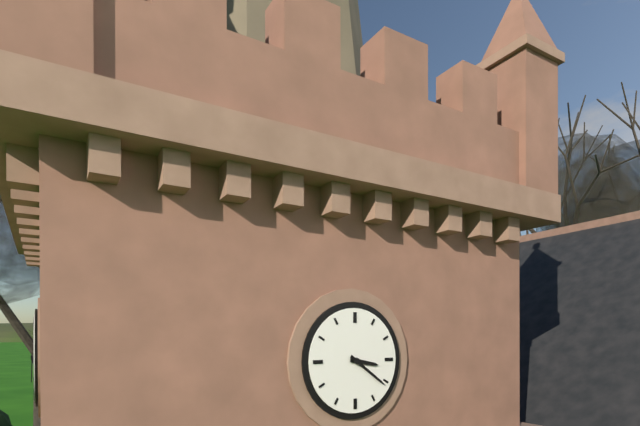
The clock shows 3.21
